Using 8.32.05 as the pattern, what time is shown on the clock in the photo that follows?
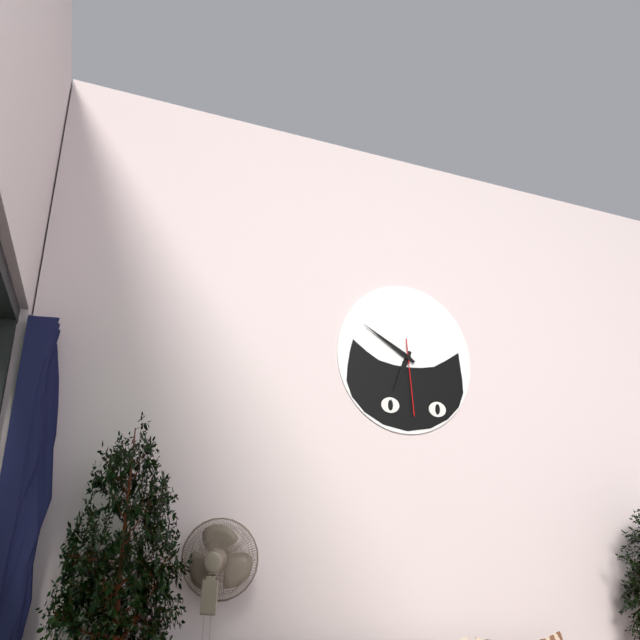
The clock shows 6.50.29
